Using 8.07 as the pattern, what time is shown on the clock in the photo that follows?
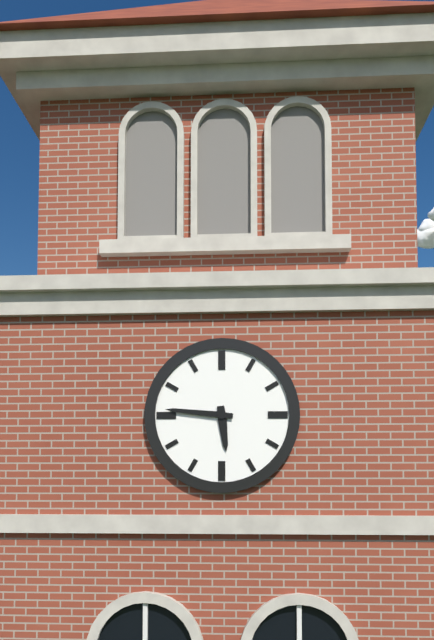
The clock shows 5.46
